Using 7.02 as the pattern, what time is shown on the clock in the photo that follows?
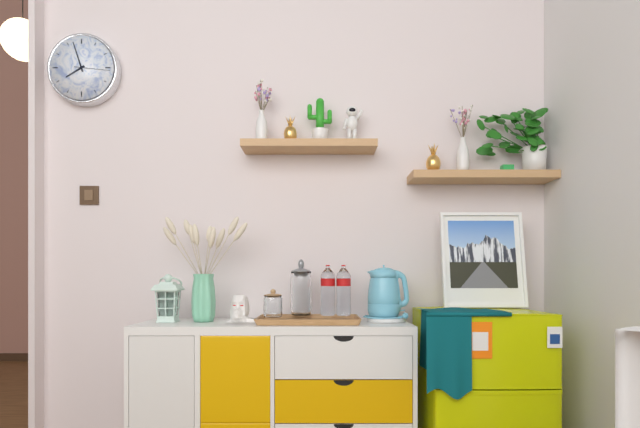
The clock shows 7.57
